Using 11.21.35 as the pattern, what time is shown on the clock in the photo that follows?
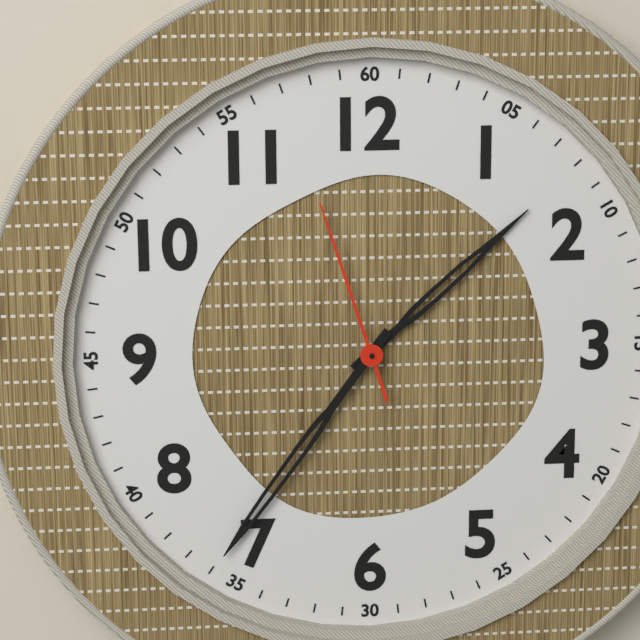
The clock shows 1.36.57
